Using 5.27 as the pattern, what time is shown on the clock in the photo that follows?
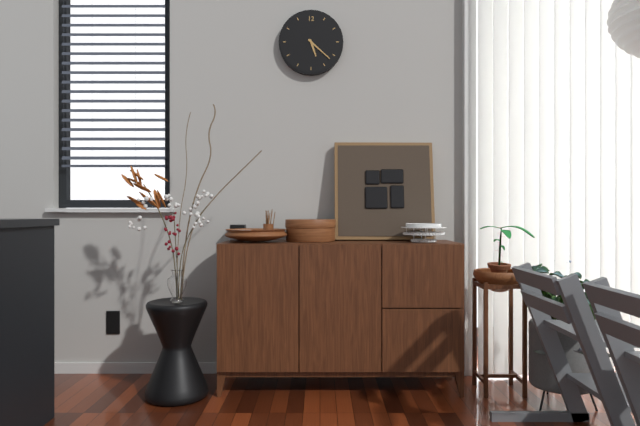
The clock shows 5.22
